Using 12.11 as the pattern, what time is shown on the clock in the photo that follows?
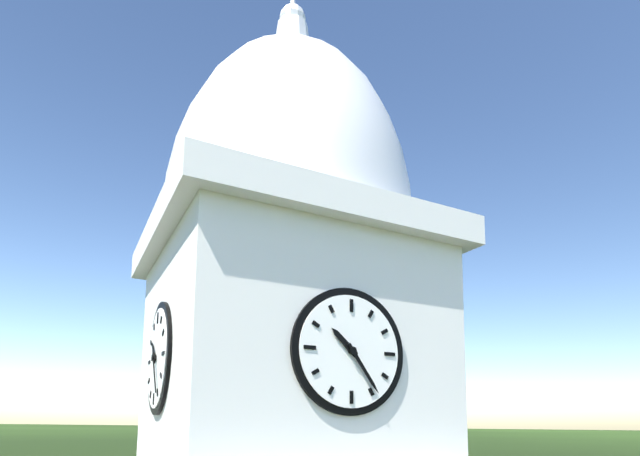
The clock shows 10.24
